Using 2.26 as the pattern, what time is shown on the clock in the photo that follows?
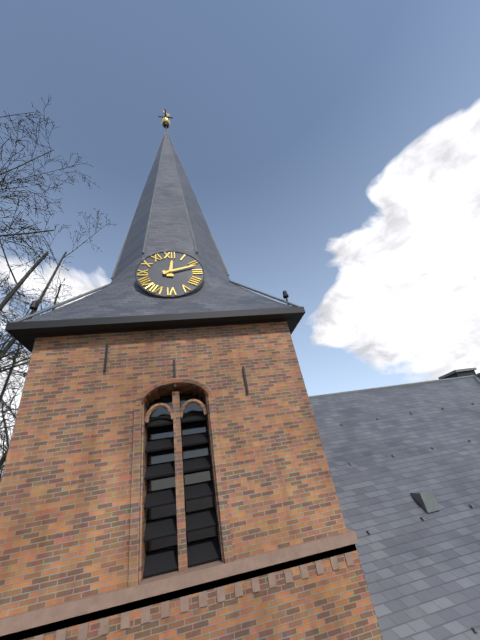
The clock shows 12.12
